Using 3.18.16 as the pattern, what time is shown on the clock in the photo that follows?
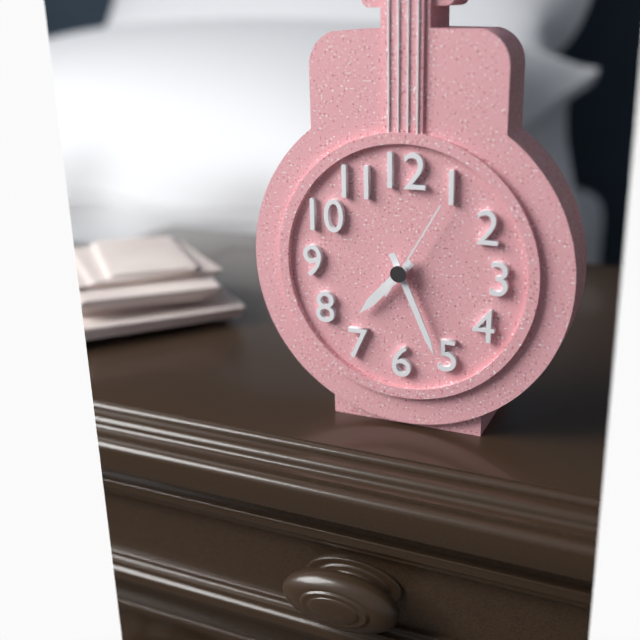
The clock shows 7.26.05
